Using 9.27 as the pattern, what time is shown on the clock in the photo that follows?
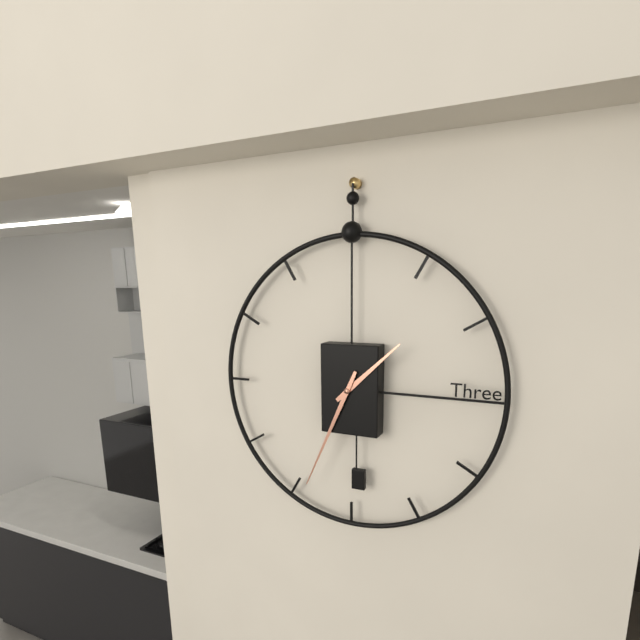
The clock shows 1.34
